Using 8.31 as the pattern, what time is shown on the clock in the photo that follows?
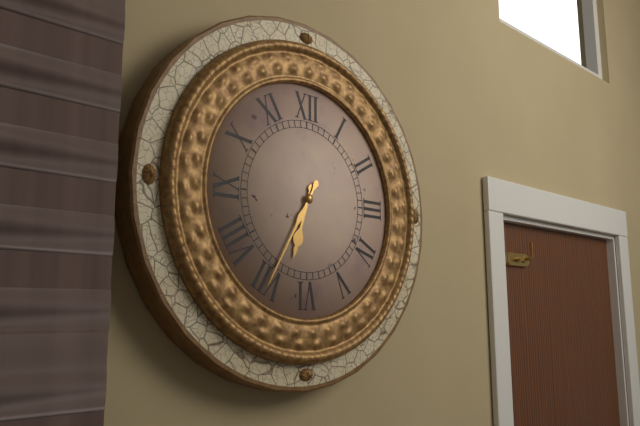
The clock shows 6.35
